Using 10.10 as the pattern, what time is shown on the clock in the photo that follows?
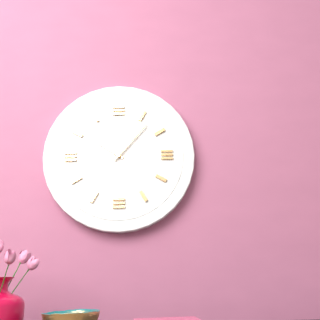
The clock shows 10.07
